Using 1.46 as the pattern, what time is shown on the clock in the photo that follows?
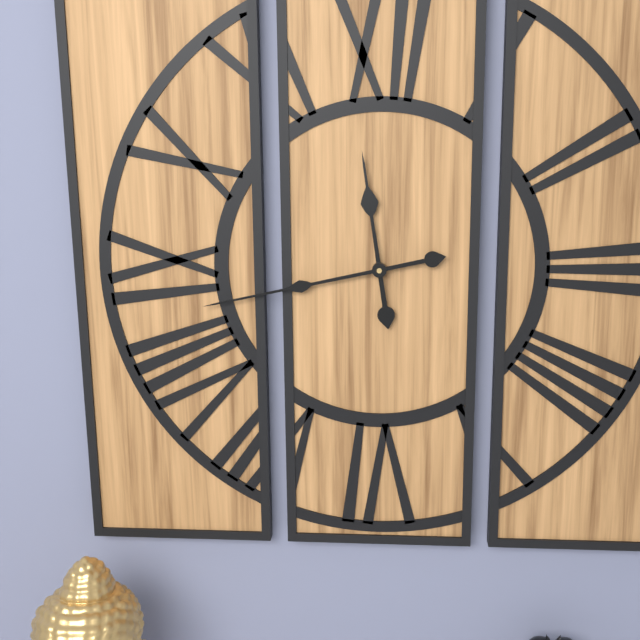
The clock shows 11.43
